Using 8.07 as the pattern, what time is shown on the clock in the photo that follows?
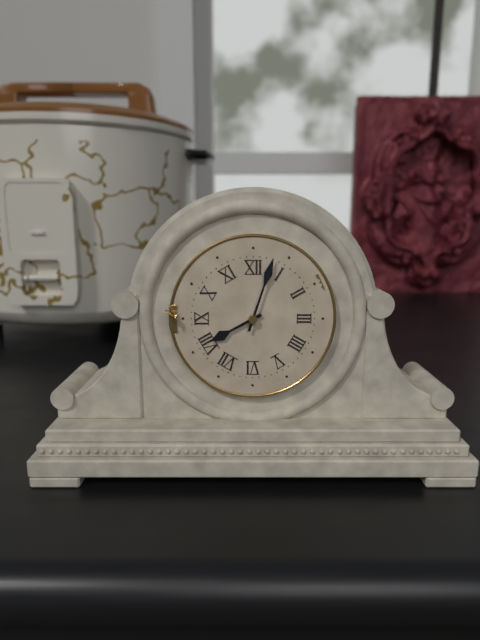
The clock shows 8.03
